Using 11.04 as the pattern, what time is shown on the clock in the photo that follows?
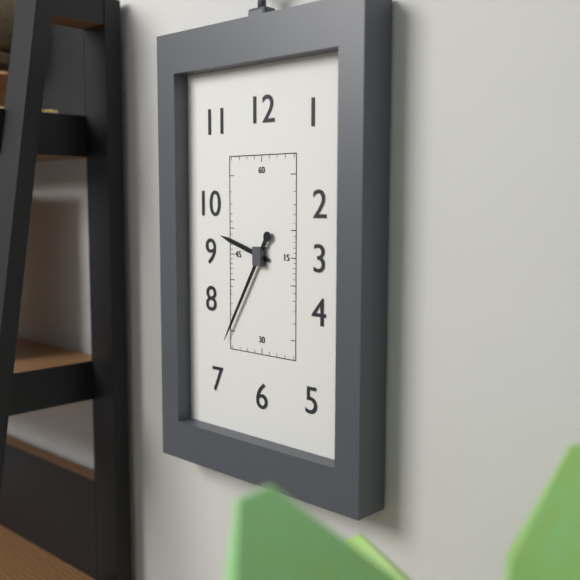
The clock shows 9.35
